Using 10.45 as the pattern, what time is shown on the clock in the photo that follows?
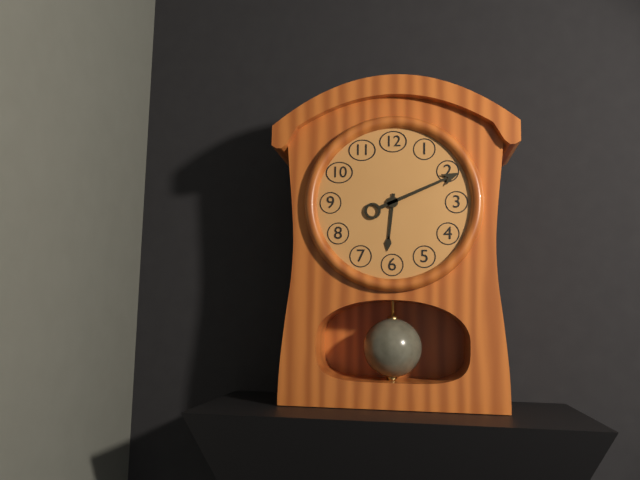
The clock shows 6.11
